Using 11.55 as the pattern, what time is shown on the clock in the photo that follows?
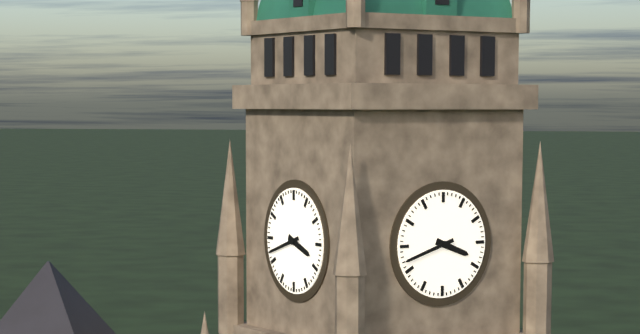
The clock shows 3.42
